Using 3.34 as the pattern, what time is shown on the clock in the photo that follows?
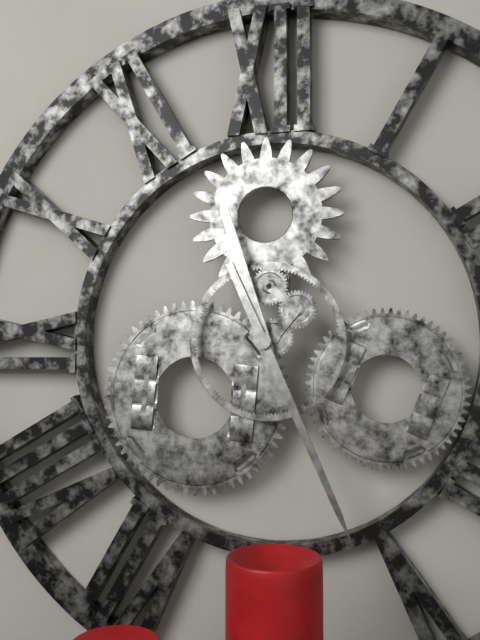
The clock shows 11.26
